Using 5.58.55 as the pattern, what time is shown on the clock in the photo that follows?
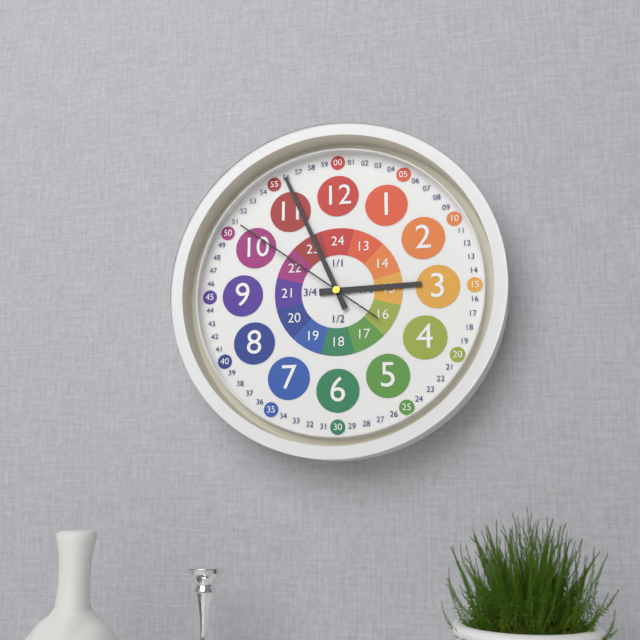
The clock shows 2.56.51
